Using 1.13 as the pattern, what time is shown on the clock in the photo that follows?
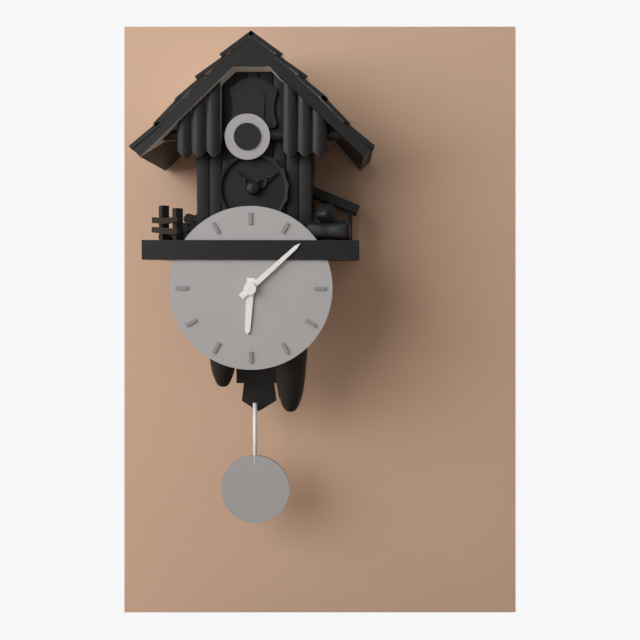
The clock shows 6.08
